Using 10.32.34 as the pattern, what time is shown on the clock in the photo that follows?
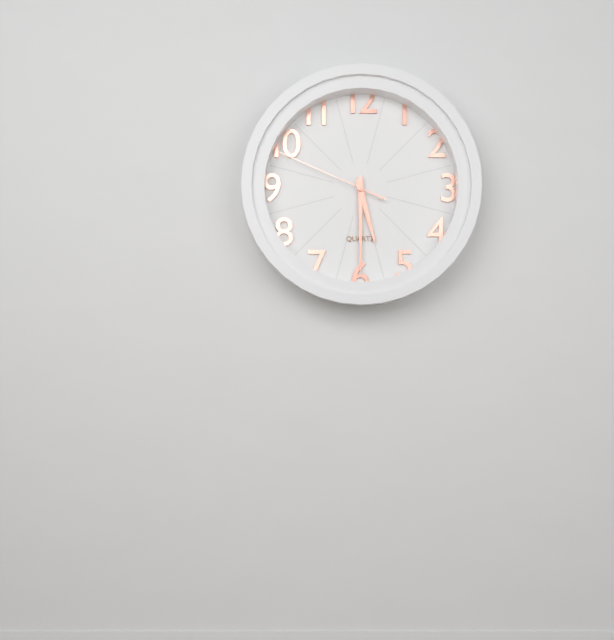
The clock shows 5.30.49
